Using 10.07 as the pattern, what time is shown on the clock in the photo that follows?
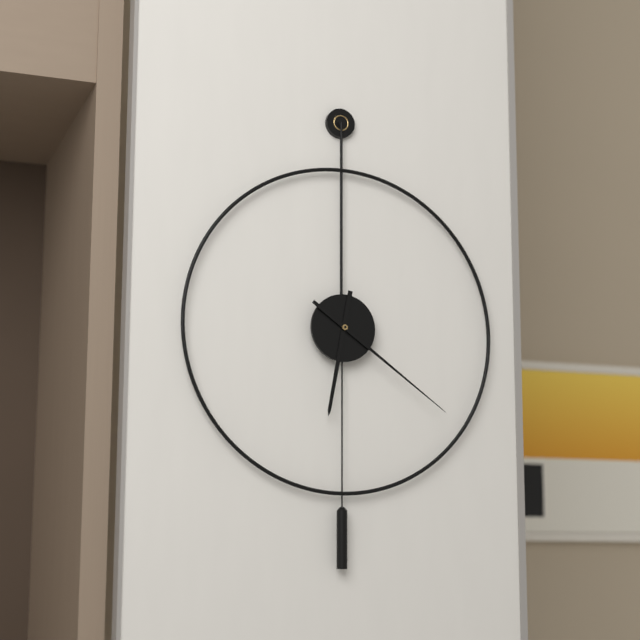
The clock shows 6.21
